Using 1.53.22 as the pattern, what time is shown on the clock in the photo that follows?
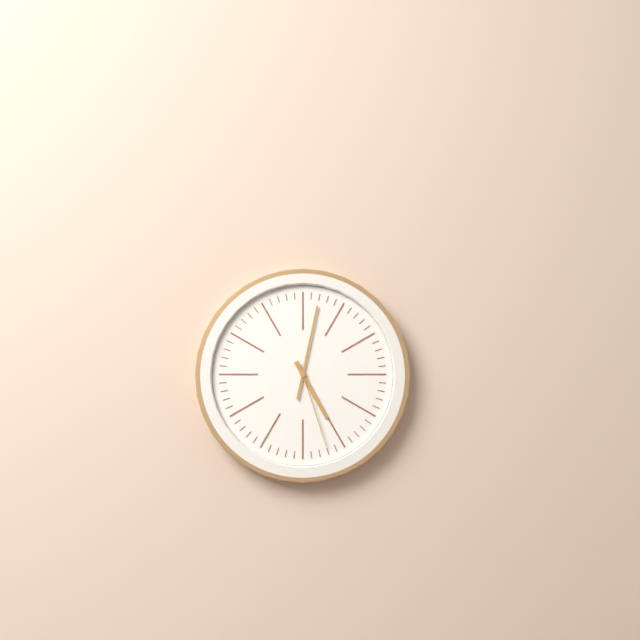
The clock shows 5.02.27
